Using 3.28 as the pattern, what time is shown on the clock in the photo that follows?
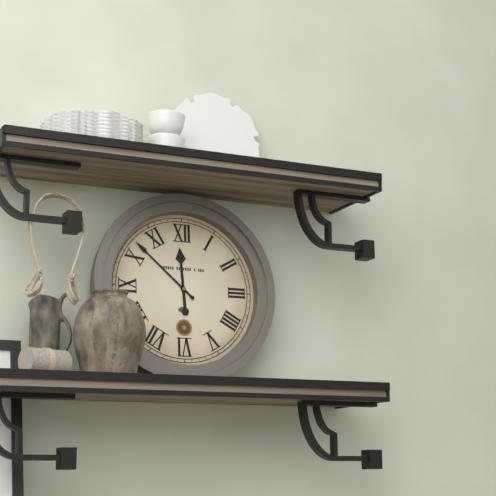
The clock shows 11.52
